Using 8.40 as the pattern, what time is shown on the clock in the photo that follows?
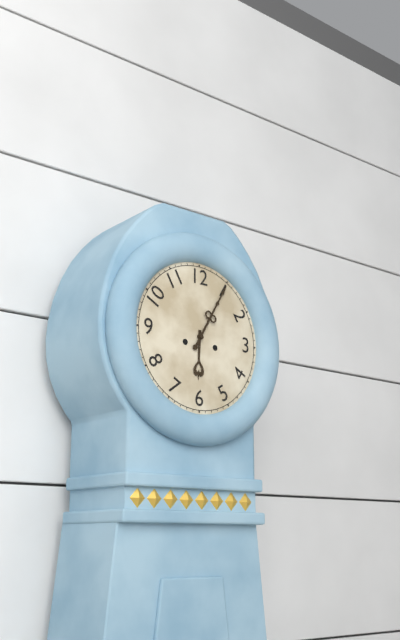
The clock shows 6.05
